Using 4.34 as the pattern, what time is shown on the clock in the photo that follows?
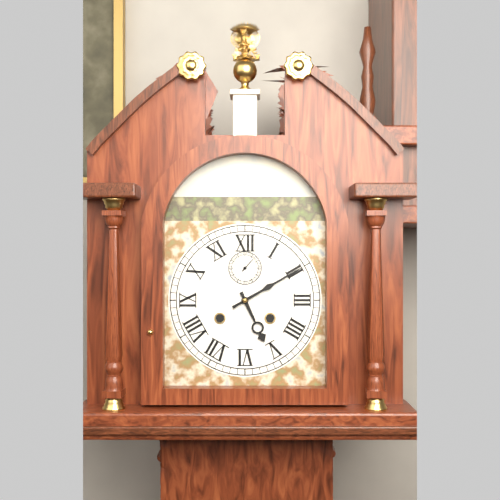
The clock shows 5.10
